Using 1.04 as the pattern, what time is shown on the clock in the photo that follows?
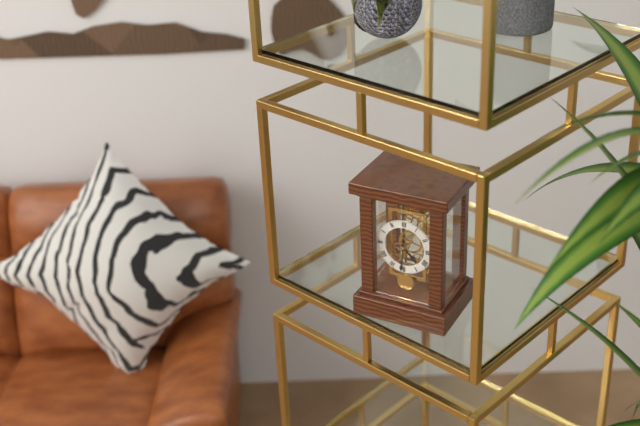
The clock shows 4.31
